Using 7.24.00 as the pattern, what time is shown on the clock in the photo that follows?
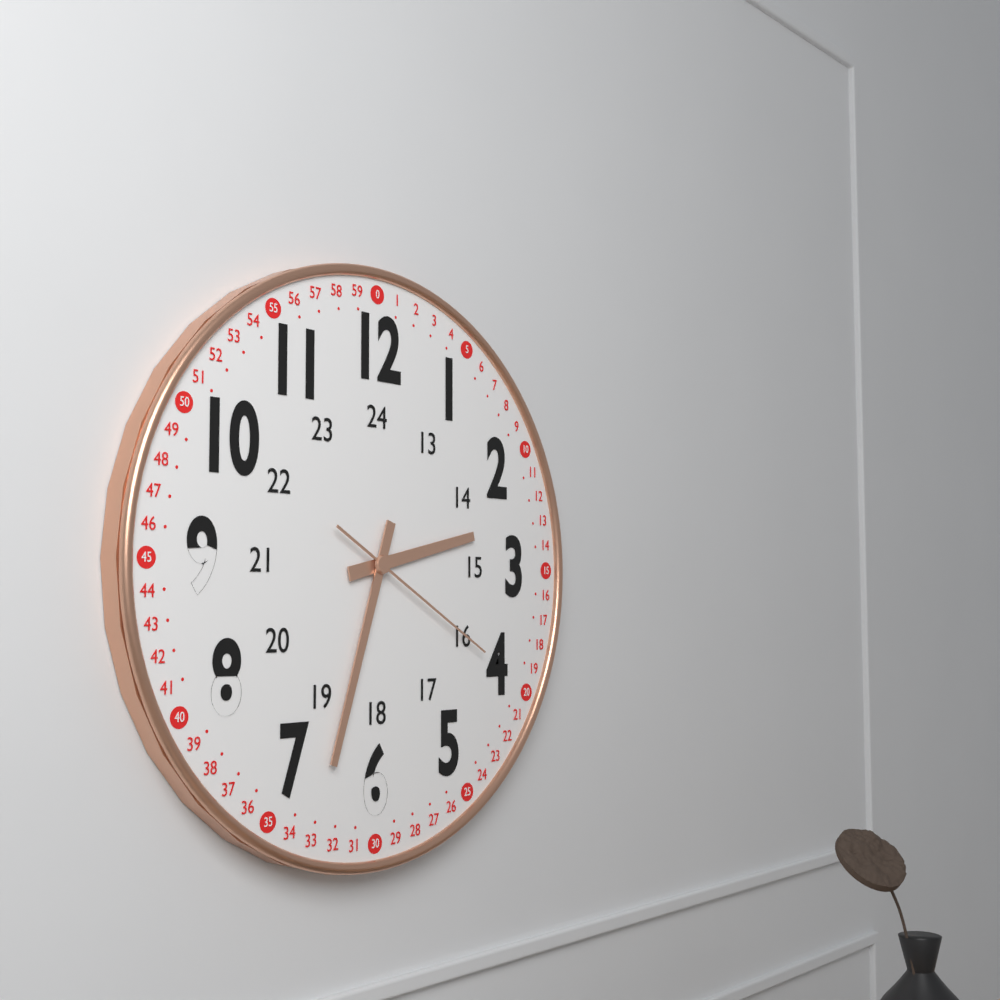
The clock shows 2.33.20
